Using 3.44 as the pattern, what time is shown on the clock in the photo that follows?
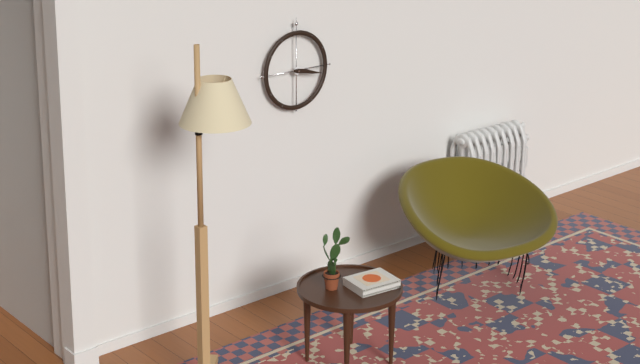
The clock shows 3.17
